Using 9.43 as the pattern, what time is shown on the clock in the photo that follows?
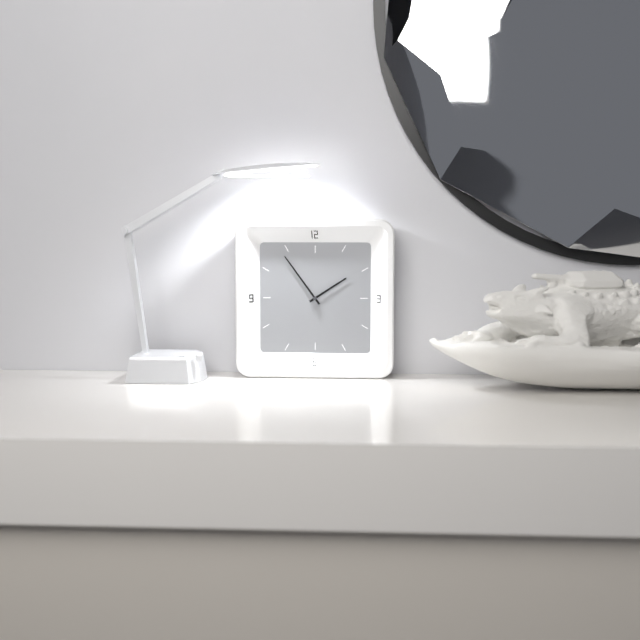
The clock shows 1.54
